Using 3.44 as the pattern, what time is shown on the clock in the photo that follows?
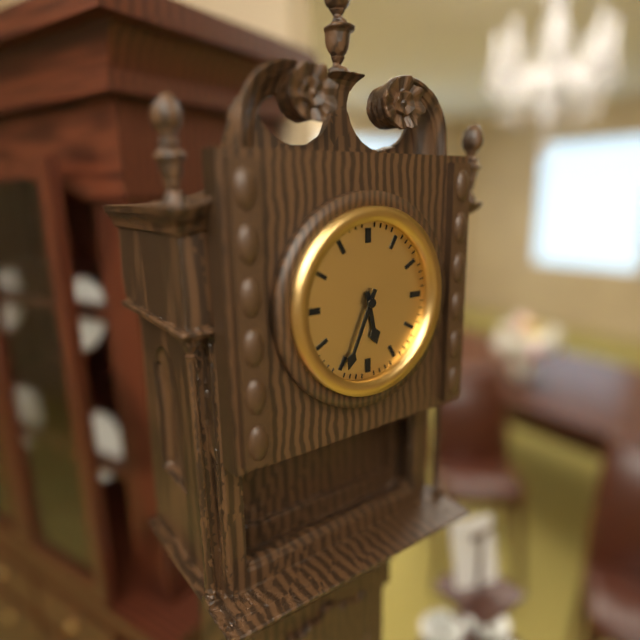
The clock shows 5.34
